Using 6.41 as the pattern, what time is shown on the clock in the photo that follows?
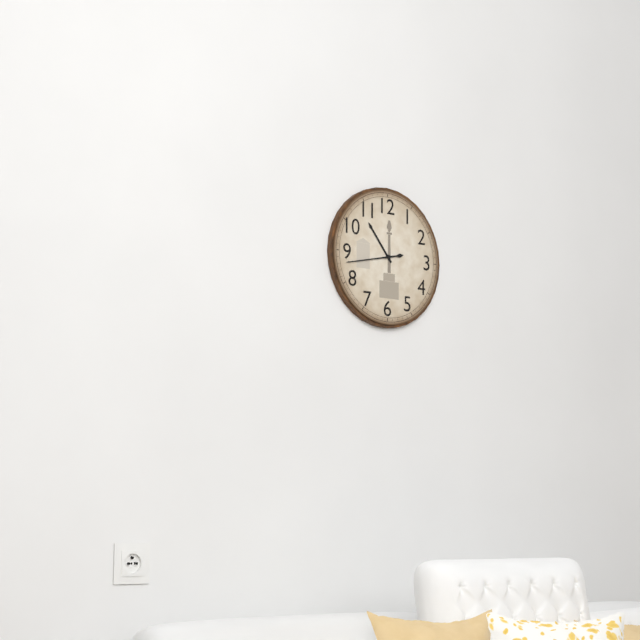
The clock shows 10.43
